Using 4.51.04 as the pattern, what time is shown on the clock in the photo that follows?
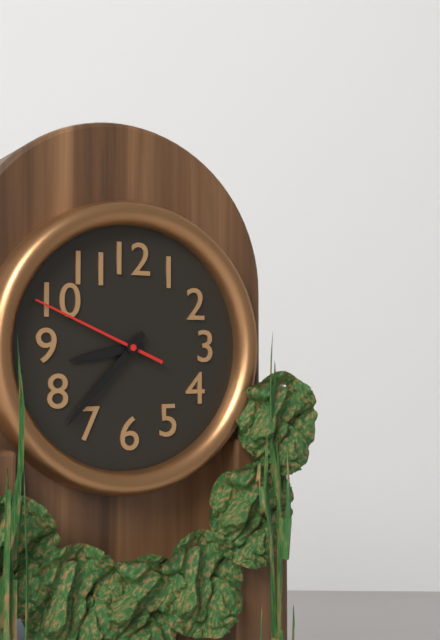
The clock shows 8.37.49
